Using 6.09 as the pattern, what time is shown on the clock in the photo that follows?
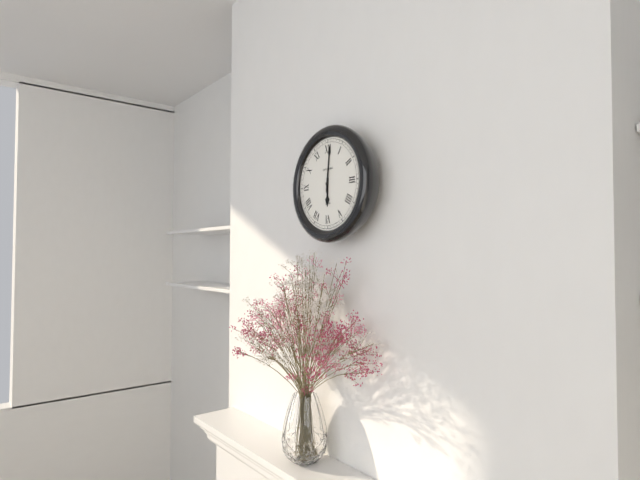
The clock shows 6.01
